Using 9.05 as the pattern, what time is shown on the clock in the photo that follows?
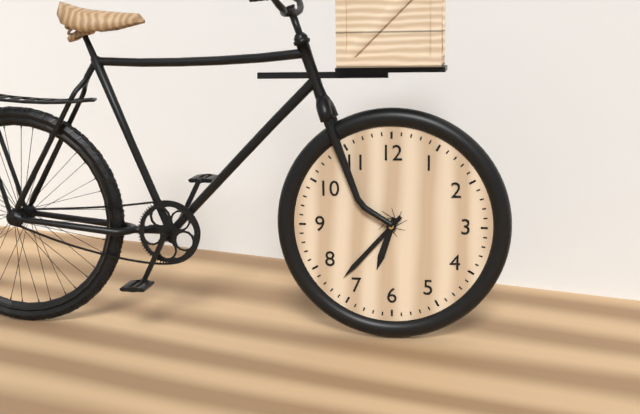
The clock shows 6.37
